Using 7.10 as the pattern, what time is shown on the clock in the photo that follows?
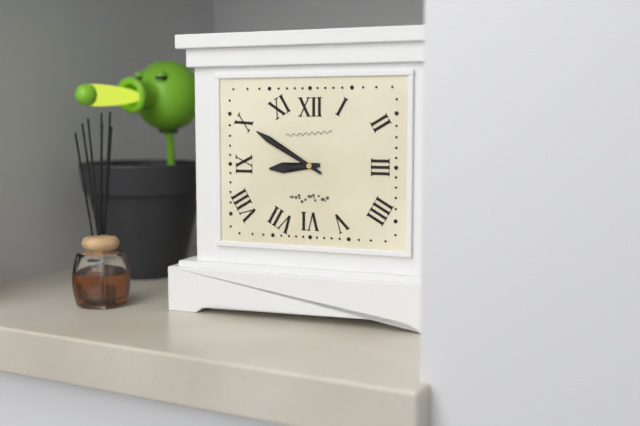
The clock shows 8.50
